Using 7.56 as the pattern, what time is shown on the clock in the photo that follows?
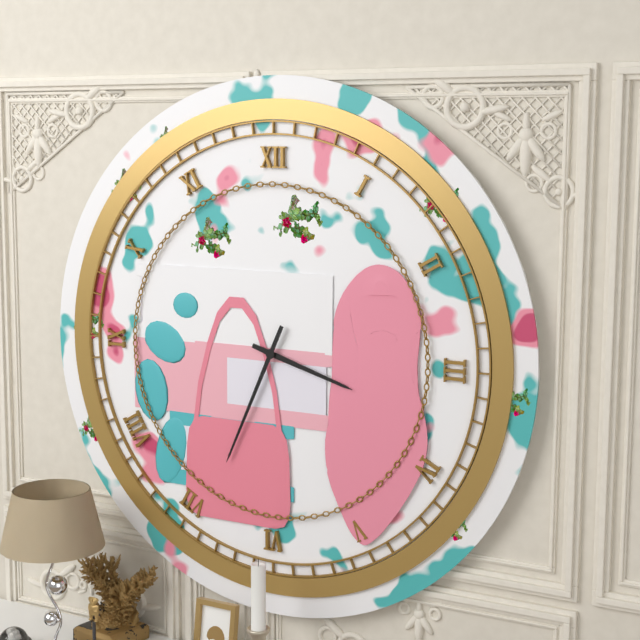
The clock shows 3.34
